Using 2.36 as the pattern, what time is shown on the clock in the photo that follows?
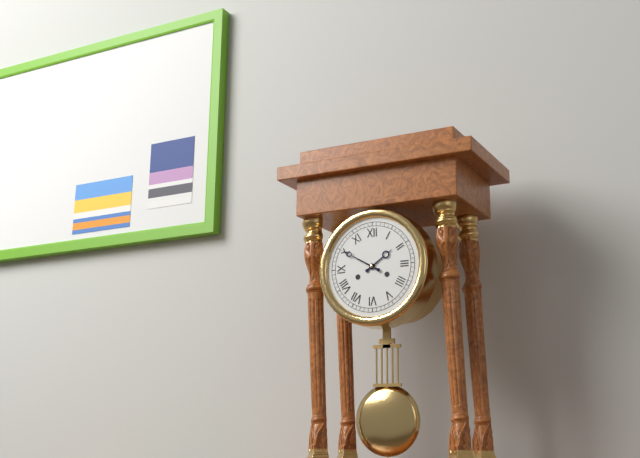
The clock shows 1.50
